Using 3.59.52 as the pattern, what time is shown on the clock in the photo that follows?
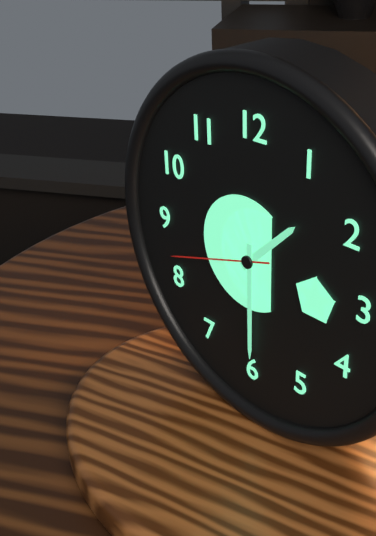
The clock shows 1.30.42
